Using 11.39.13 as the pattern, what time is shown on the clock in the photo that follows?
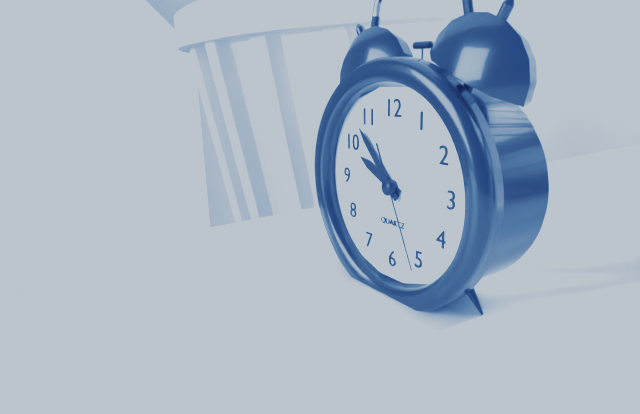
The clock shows 9.53.26
